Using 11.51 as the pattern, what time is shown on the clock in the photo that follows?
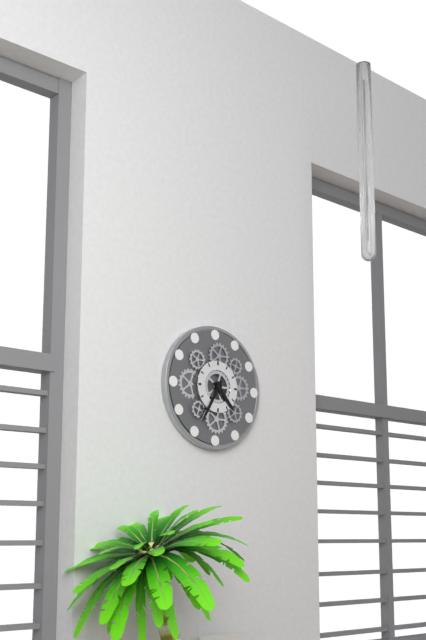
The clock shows 4.35
